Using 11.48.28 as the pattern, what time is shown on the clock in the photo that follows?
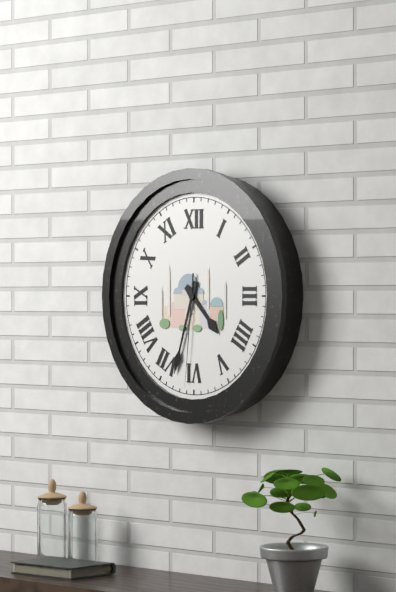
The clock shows 4.33.31
